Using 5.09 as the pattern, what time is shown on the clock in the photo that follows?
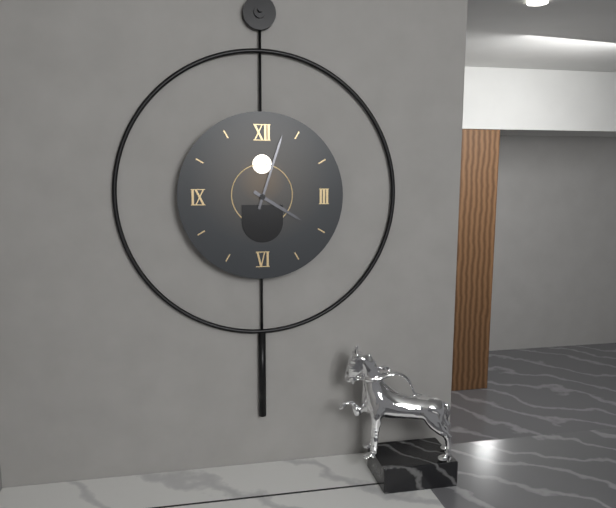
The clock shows 4.03
